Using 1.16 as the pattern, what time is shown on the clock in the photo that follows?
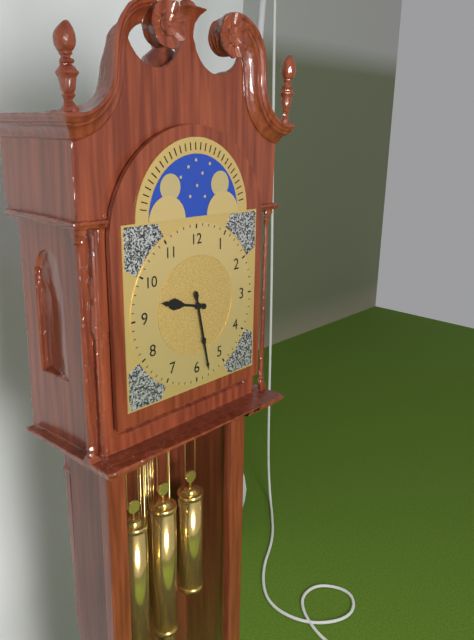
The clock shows 9.28
